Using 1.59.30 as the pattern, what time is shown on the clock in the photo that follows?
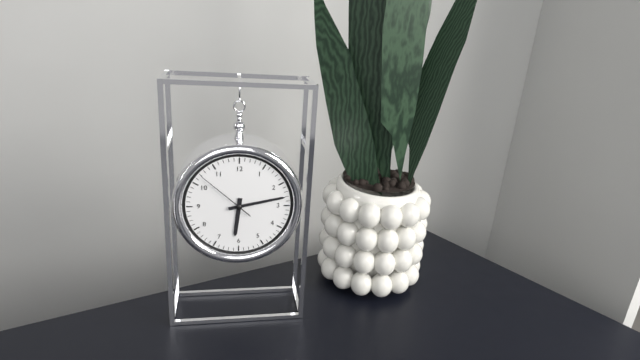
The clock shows 6.13.52
